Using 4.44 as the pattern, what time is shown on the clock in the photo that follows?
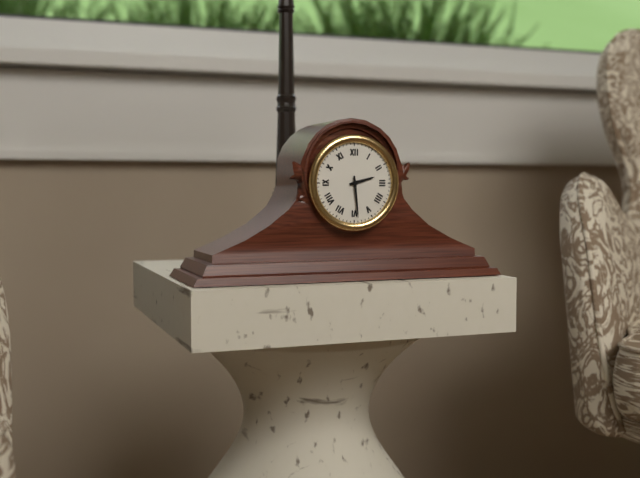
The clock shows 2.29
